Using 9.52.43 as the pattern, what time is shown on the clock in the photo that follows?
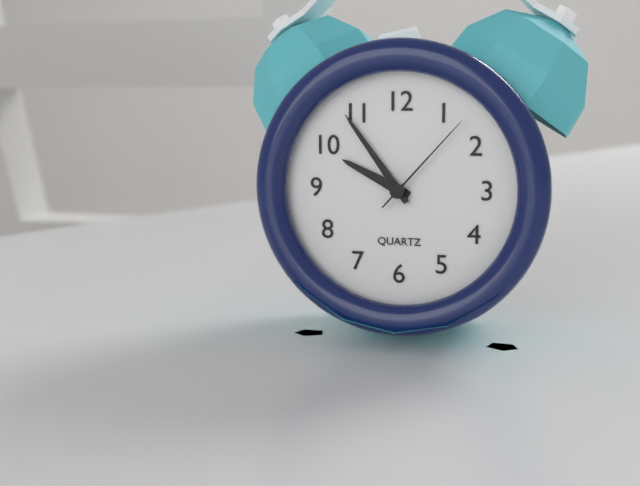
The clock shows 9.54.07
